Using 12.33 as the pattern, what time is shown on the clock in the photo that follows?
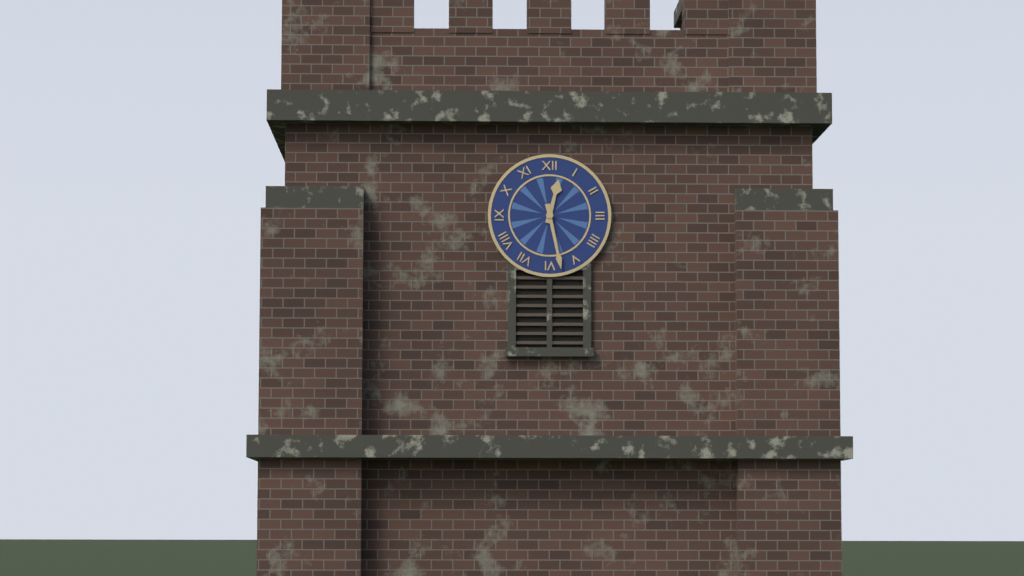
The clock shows 12.28
